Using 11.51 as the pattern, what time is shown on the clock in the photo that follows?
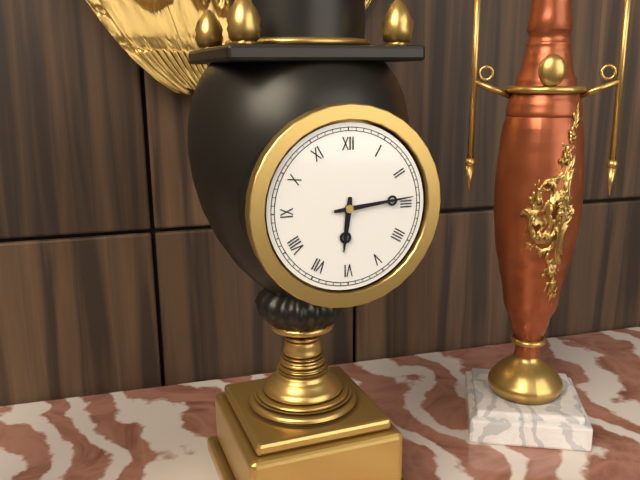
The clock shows 6.14
